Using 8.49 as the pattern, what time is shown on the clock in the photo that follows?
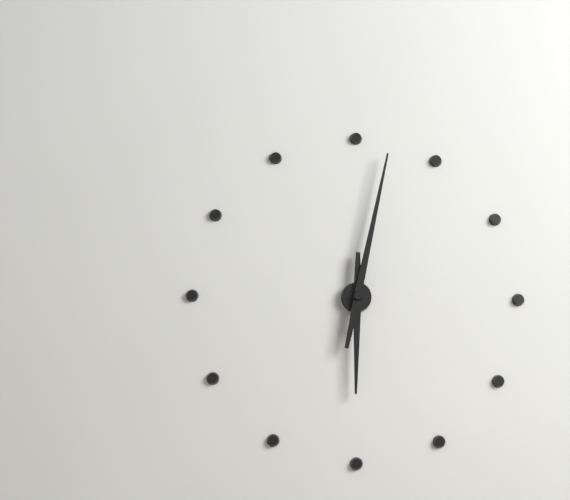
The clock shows 6.02
